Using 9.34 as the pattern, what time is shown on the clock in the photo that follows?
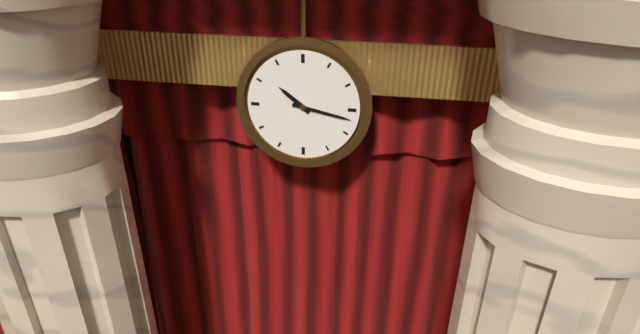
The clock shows 10.17
